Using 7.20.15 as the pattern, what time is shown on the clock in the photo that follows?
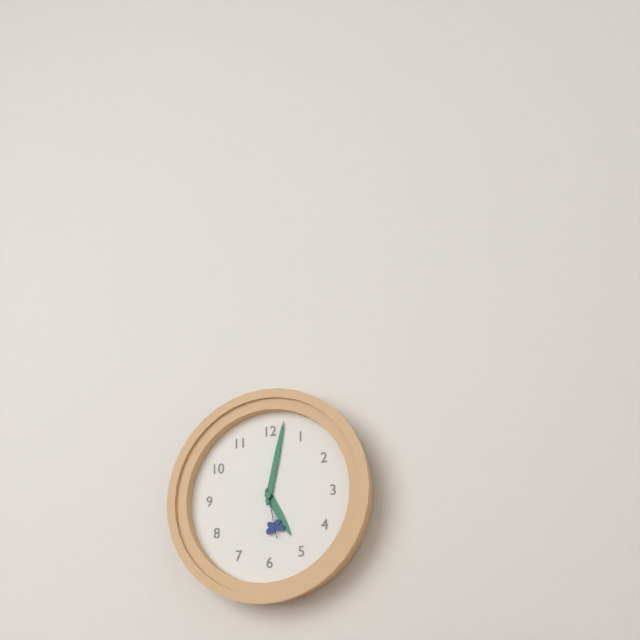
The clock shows 5.02.28
